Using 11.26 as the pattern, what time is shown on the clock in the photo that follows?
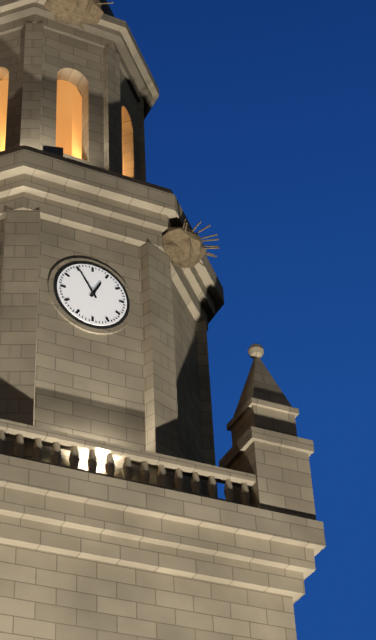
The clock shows 12.55
